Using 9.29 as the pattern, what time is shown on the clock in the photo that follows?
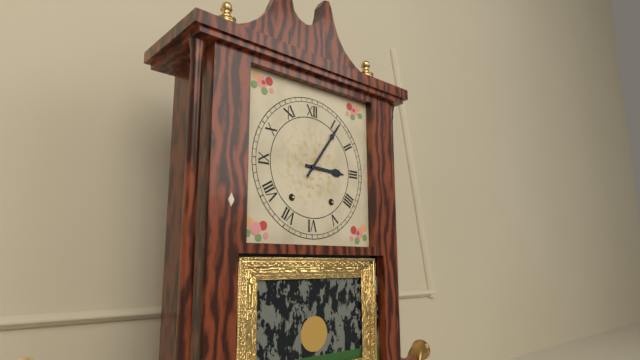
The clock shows 3.06
